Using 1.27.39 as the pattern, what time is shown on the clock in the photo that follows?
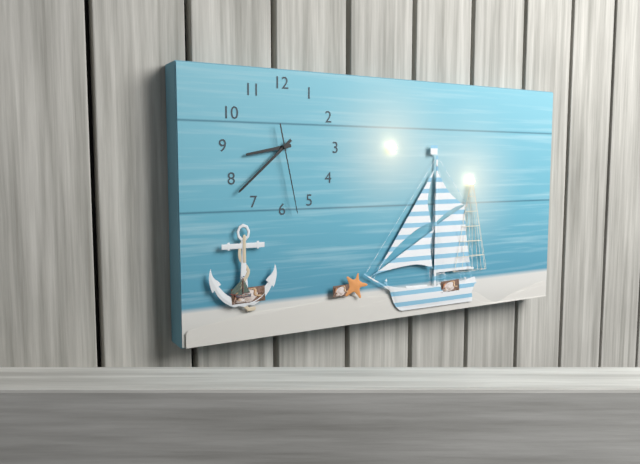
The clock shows 8.38.28
